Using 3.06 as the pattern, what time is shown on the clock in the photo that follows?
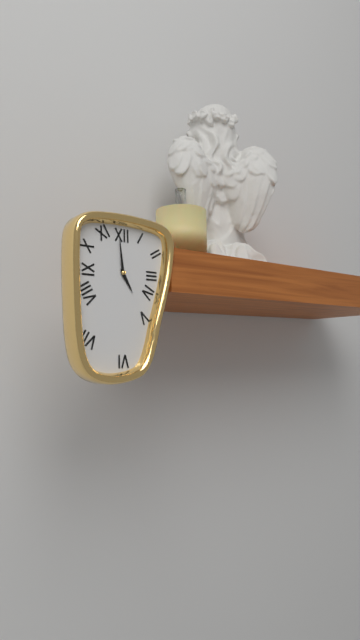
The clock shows 4.59
